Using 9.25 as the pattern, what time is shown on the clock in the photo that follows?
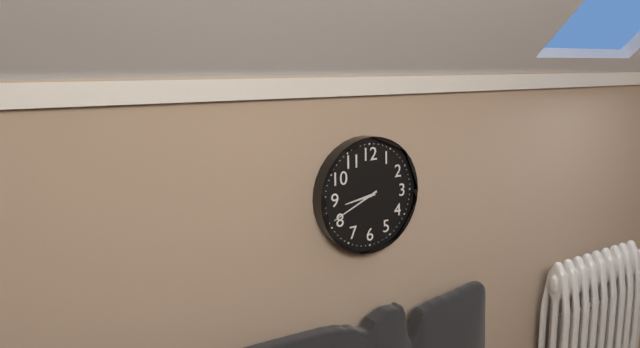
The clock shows 8.41
